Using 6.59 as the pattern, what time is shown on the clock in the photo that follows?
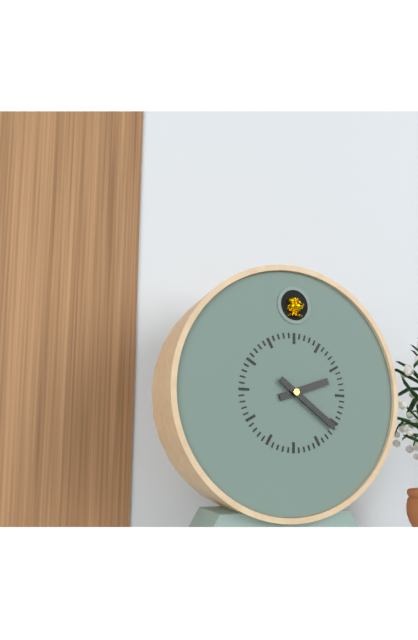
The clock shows 2.21
